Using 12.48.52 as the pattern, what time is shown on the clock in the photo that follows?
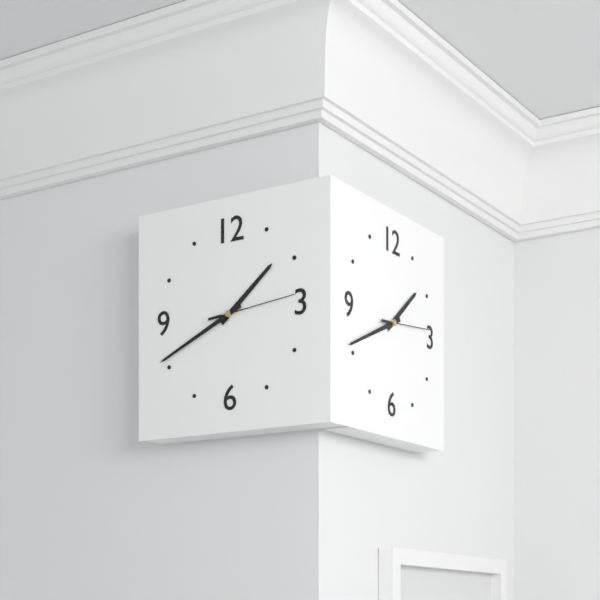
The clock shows 1.41.14
